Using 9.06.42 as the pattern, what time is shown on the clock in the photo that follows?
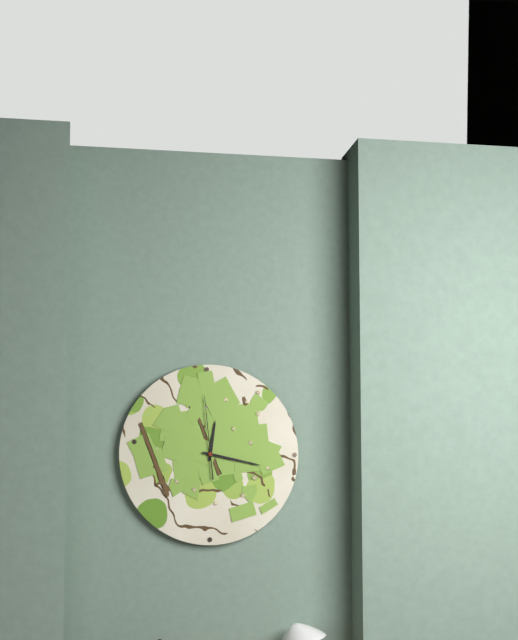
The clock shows 12.17.59
